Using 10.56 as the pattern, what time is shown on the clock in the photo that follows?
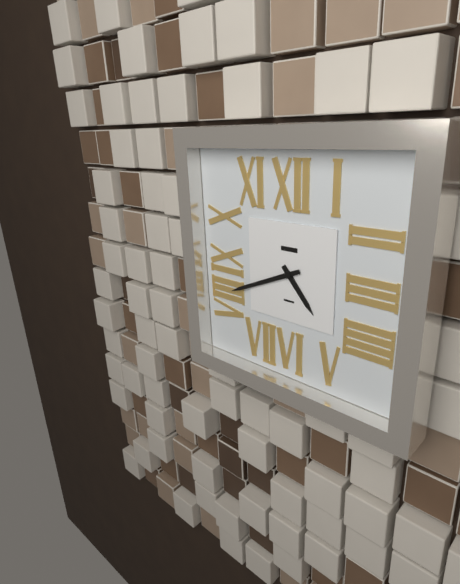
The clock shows 4.41
